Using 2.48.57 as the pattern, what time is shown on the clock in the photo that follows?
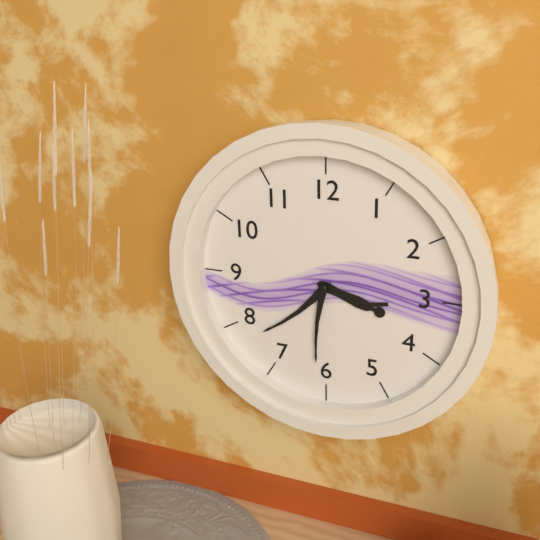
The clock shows 3.38.31
